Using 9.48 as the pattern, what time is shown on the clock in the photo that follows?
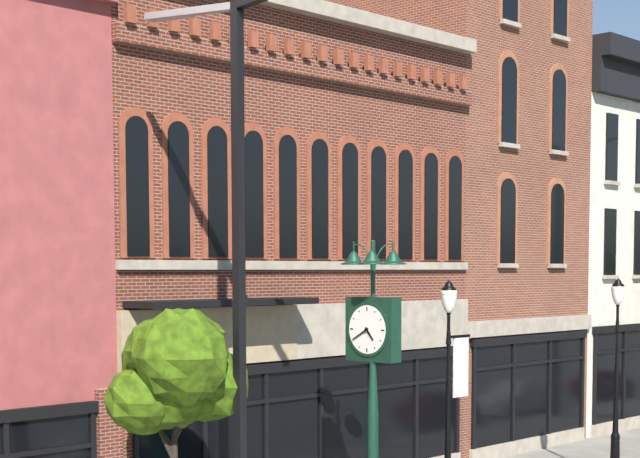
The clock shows 4.40
